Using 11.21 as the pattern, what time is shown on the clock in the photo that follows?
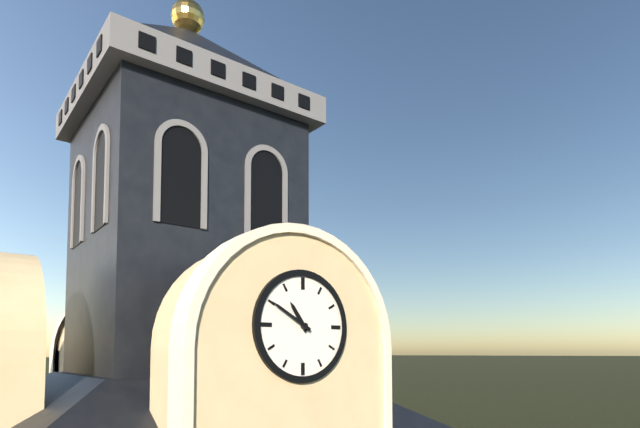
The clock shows 10.50
